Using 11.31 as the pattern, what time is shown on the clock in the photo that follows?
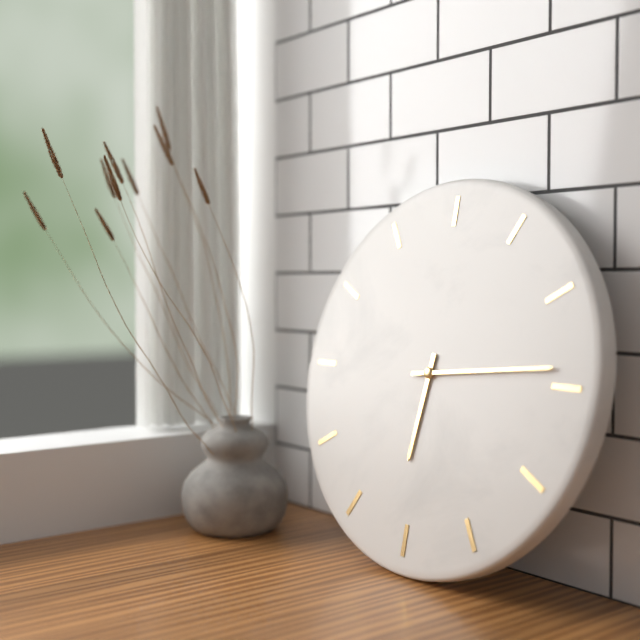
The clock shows 6.14
